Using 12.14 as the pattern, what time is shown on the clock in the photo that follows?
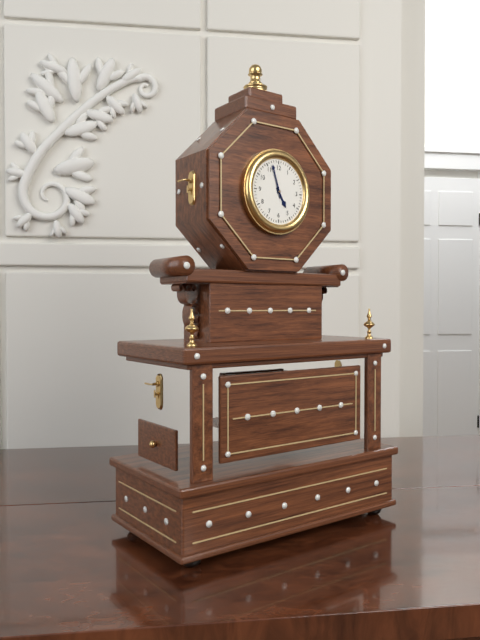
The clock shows 4.57
